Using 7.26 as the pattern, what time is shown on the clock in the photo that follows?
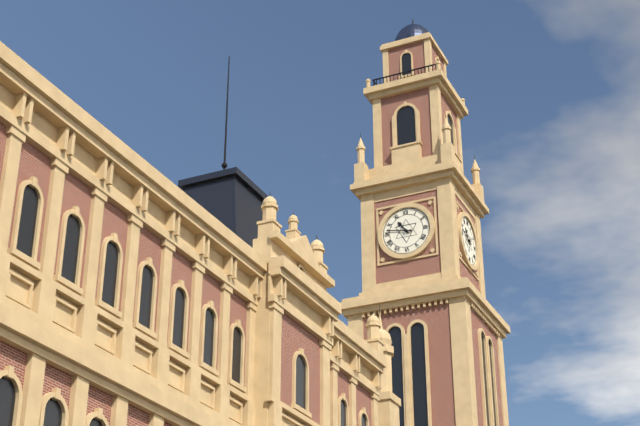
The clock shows 10.47
